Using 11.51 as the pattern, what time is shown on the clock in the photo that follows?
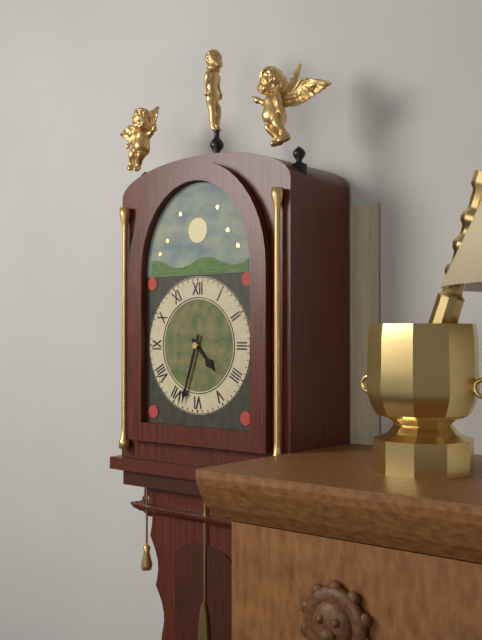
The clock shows 4.33
